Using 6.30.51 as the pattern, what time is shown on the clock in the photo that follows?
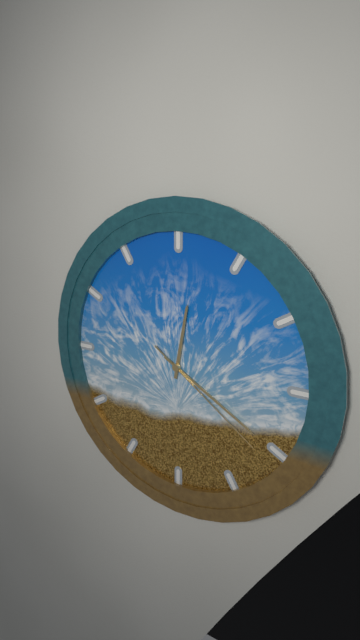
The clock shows 12.20.21
